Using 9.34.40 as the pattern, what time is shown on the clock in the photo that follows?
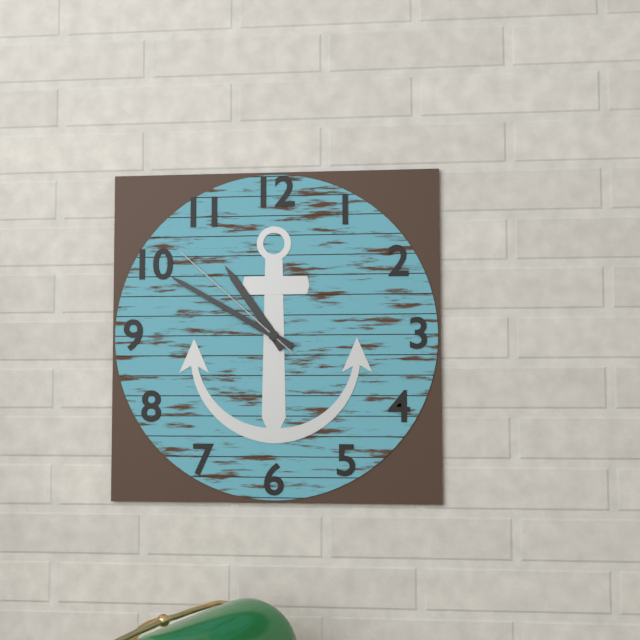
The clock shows 10.50.52
